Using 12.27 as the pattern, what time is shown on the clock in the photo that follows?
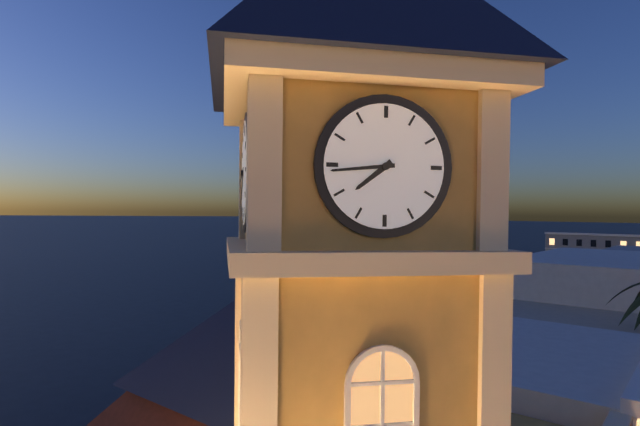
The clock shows 7.44
